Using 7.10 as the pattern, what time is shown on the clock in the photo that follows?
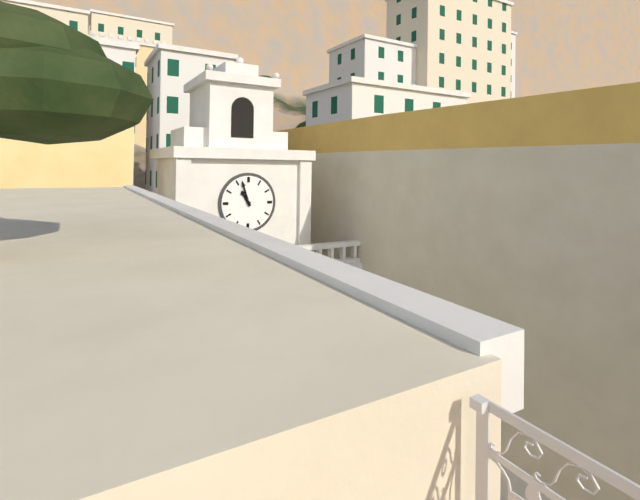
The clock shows 10.57
